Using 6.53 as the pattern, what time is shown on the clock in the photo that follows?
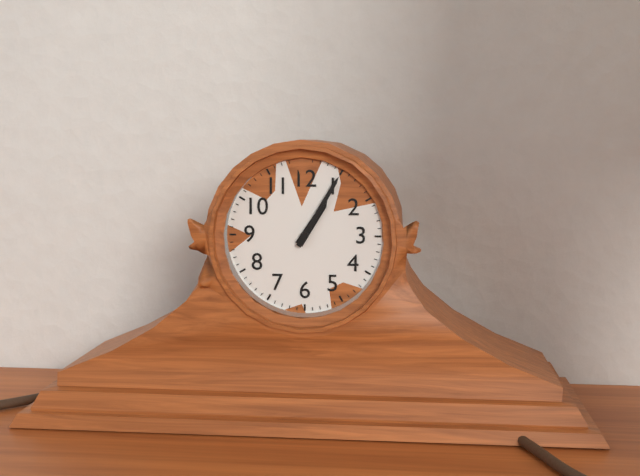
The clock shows 1.05
